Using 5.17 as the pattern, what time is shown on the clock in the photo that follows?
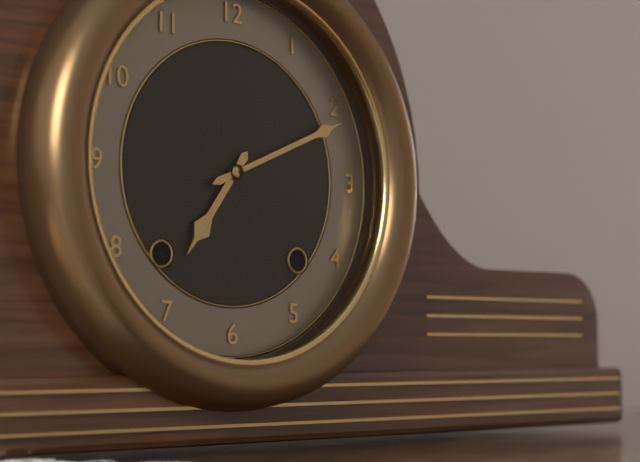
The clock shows 7.11
